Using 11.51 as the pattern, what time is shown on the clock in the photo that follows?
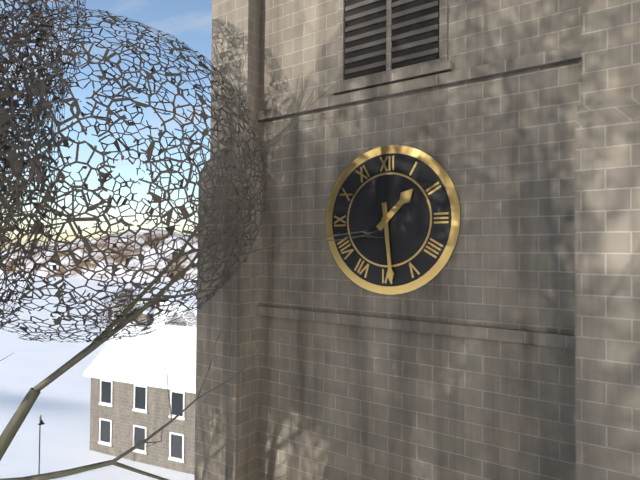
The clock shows 1.29
